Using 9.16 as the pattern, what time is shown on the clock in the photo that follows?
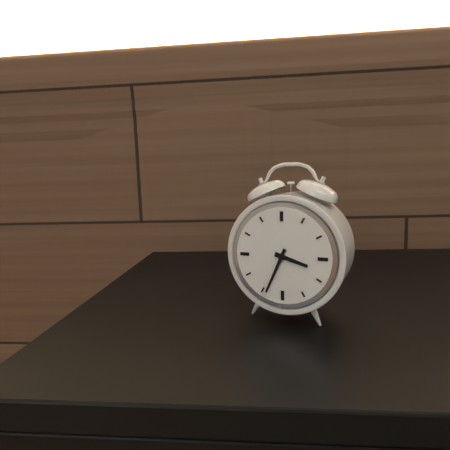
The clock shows 3.34
